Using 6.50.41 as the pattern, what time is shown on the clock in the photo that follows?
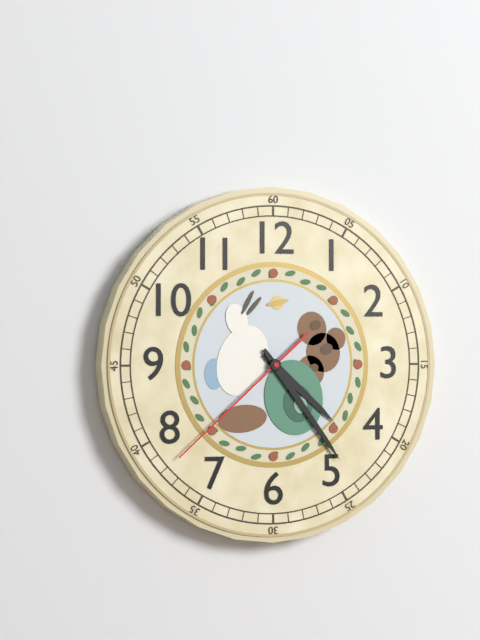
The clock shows 4.24.38
